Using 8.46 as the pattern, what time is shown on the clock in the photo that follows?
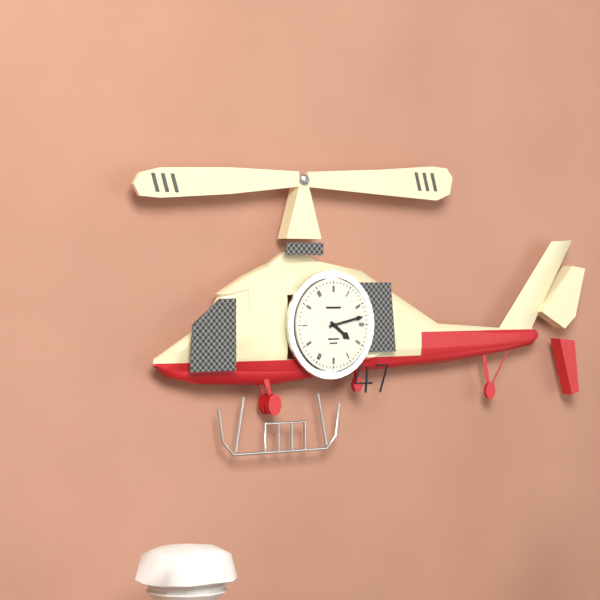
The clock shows 4.13
